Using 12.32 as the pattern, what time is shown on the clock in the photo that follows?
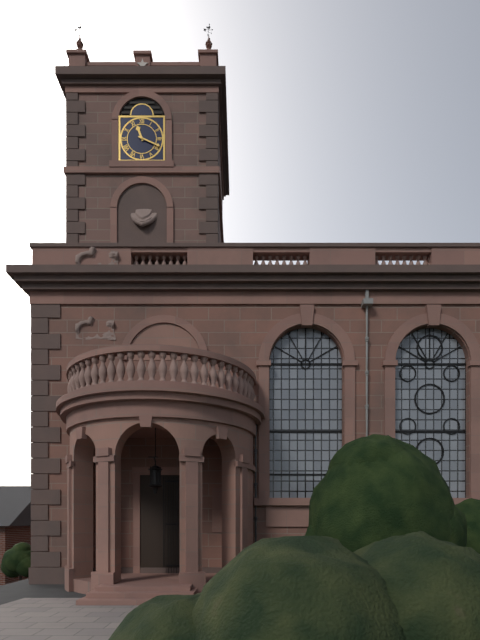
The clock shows 11.19
